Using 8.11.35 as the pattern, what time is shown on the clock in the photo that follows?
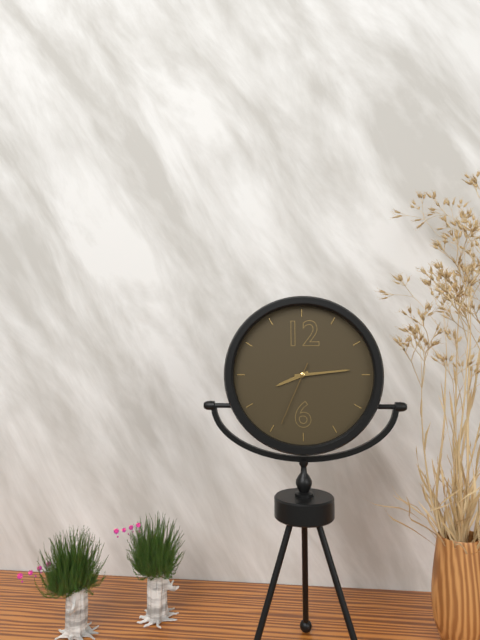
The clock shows 8.14.34
